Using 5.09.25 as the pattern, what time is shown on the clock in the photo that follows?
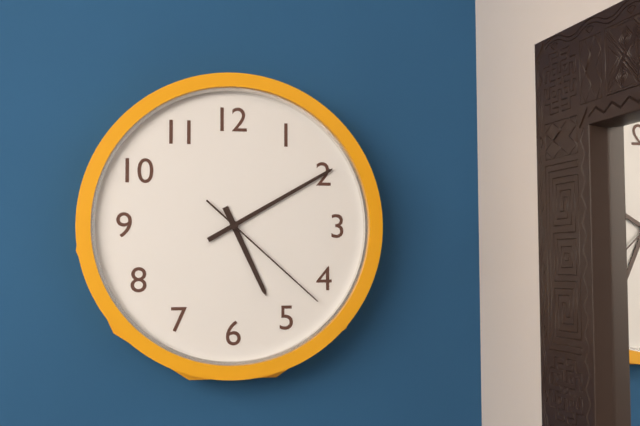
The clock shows 5.10.22
